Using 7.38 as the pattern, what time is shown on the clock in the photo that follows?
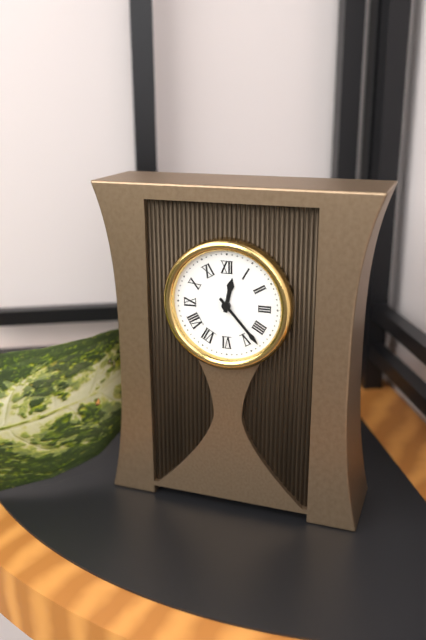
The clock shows 12.23
